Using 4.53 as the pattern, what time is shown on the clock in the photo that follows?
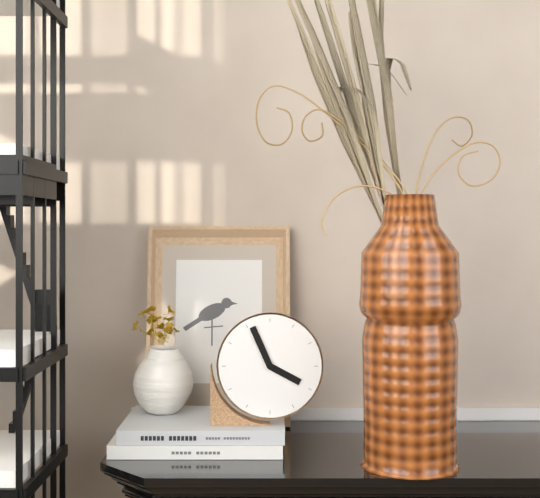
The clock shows 3.56
